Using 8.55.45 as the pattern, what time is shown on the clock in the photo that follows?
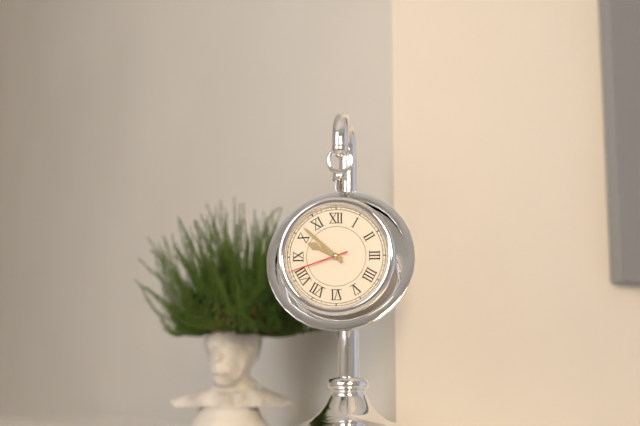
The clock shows 9.52.42
